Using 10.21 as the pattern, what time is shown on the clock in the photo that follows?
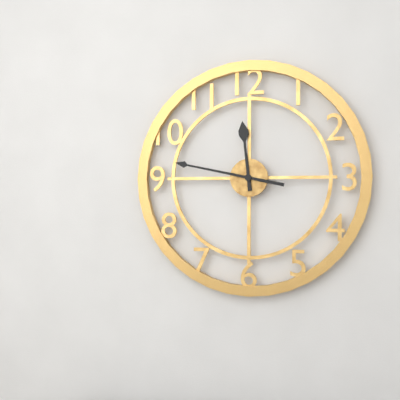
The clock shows 11.47
